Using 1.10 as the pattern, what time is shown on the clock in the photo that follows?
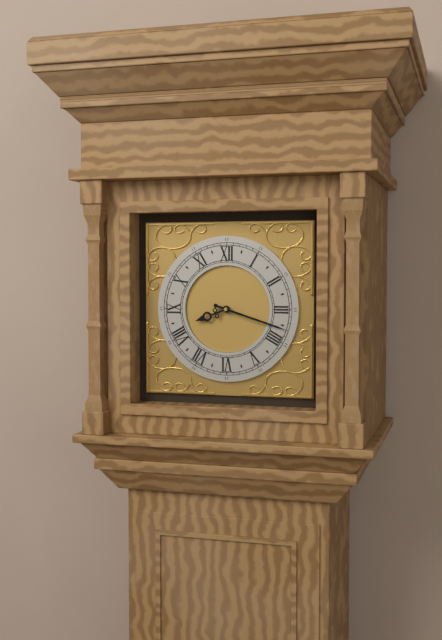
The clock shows 8.18
